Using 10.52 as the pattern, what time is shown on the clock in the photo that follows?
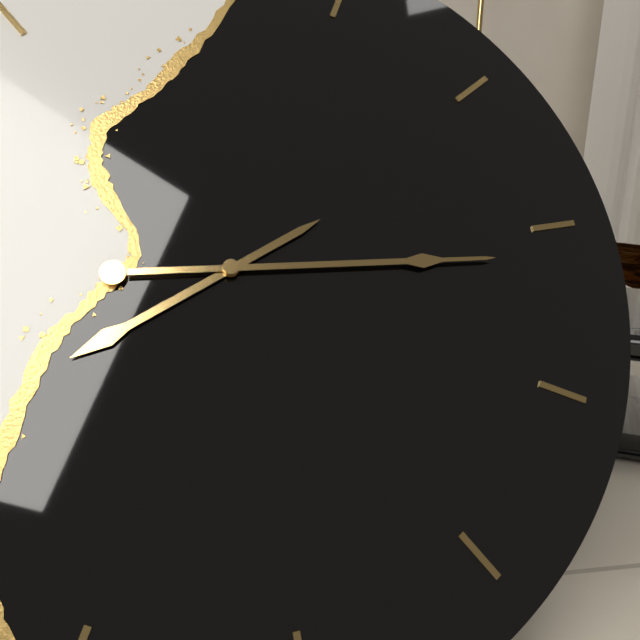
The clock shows 8.16
